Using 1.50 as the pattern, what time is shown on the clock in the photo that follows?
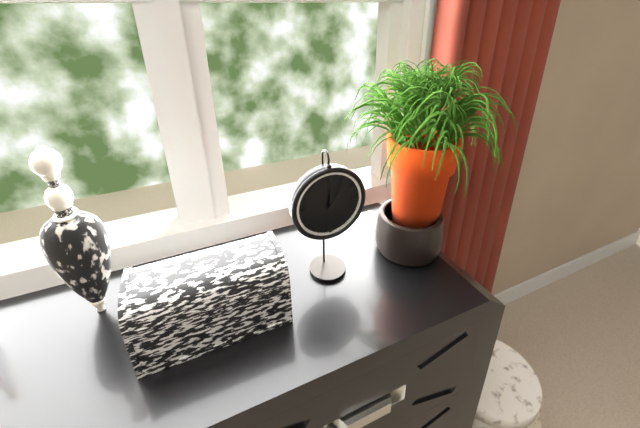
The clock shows 12.07
